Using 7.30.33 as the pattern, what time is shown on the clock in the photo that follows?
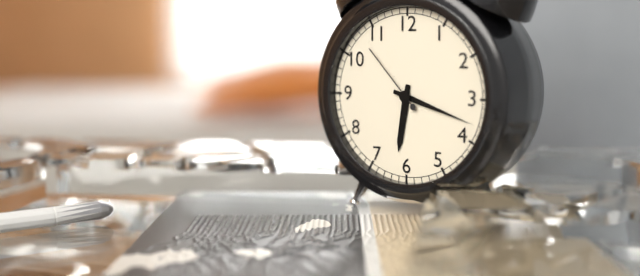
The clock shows 6.18.53
